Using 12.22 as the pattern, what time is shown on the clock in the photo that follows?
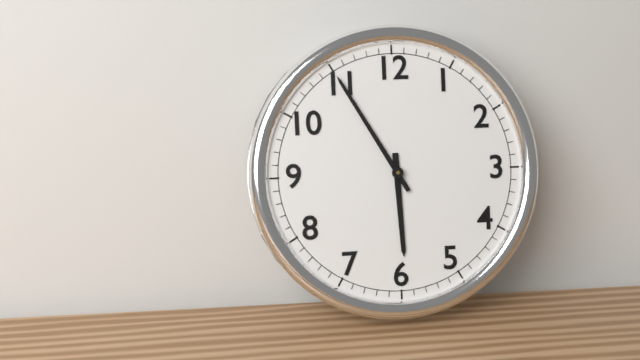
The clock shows 5.55
